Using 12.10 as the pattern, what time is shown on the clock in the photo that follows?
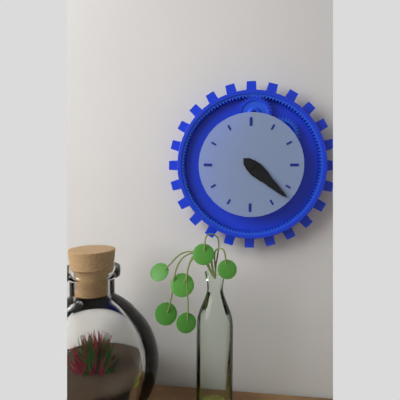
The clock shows 4.22
